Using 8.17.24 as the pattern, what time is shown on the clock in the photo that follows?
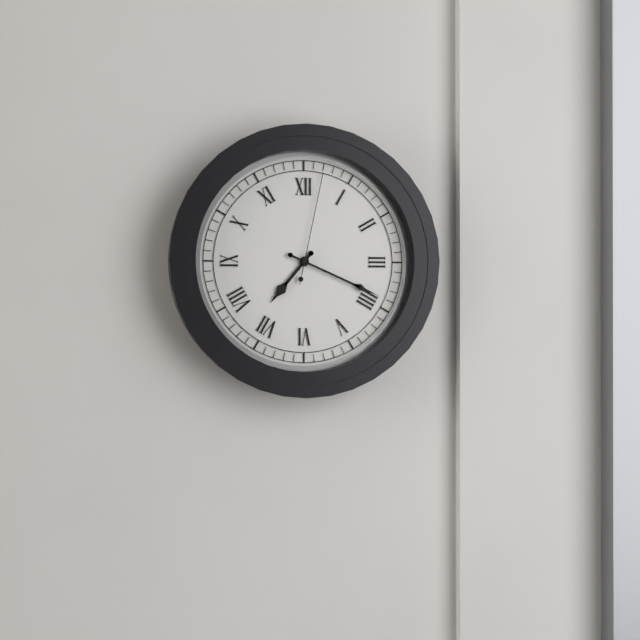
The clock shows 7.19.02
